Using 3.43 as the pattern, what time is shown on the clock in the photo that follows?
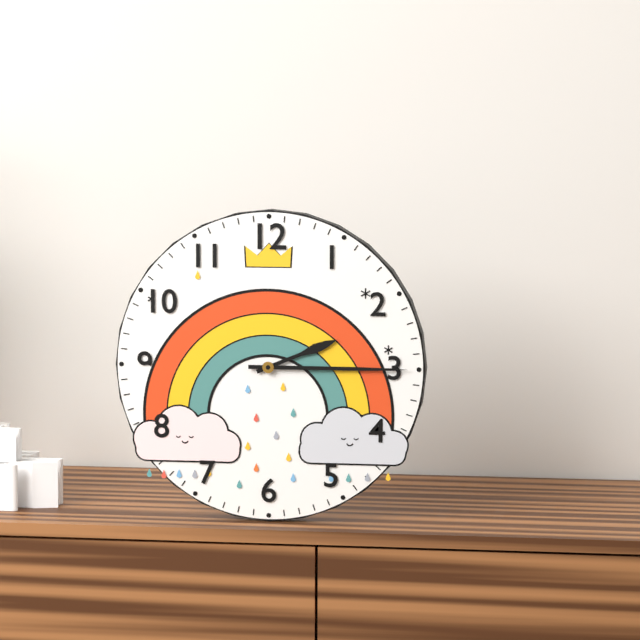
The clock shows 2.15
